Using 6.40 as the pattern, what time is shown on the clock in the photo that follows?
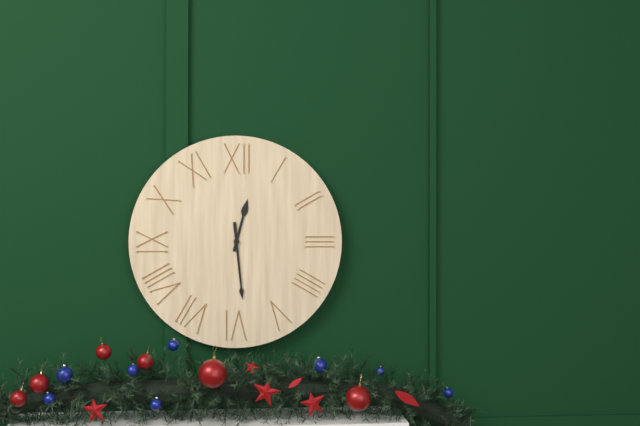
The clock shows 12.29
